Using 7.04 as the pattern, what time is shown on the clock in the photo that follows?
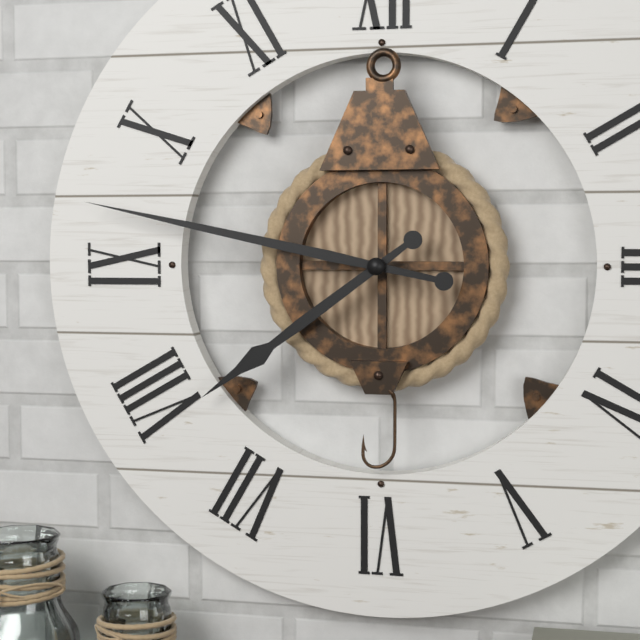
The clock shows 7.47
